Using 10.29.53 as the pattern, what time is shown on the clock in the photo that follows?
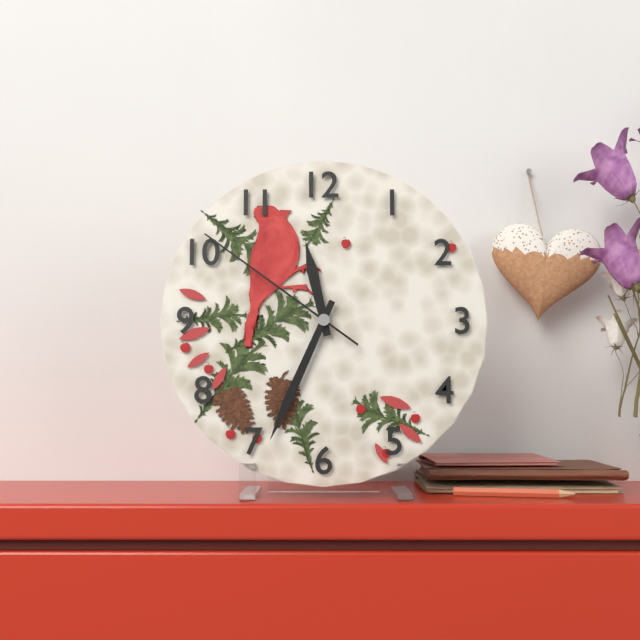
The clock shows 11.34.51
